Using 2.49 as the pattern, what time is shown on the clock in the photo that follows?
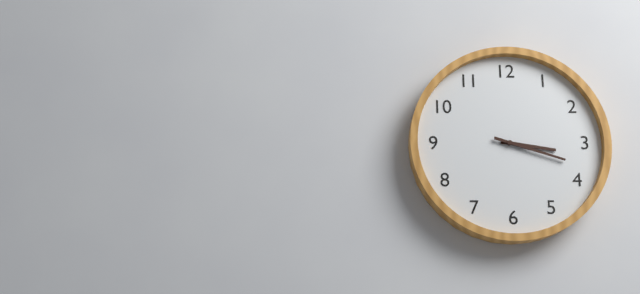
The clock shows 3.18
